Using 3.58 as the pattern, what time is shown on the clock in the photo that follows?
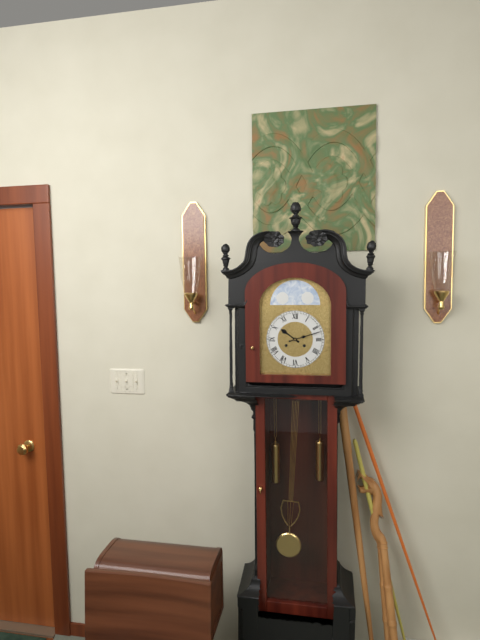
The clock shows 10.12
